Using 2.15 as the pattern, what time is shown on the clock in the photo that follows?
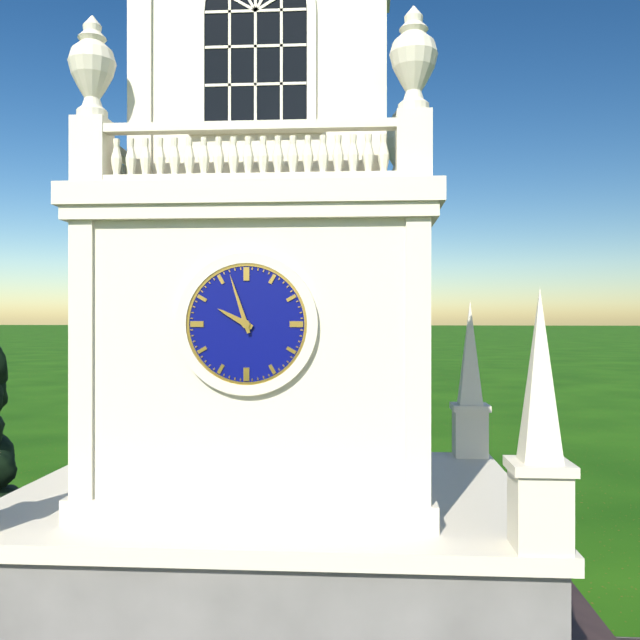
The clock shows 9.57
